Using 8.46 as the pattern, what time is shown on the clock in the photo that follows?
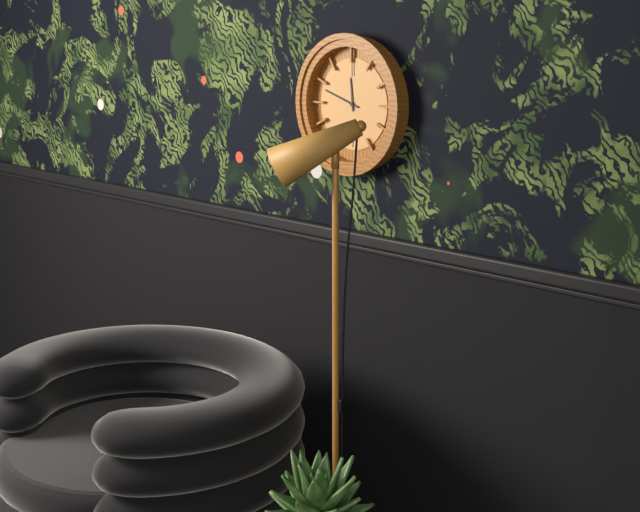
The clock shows 11.48
